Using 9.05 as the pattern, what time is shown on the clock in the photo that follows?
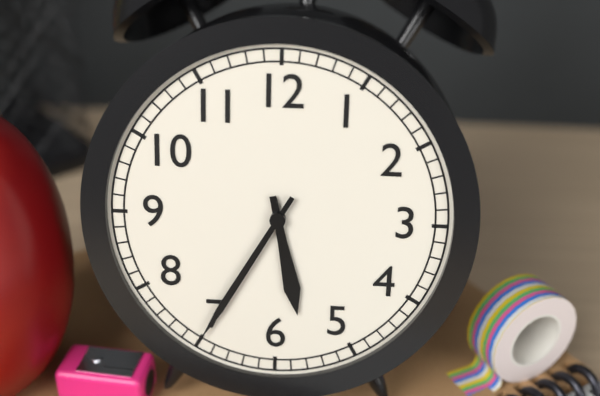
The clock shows 5.35
